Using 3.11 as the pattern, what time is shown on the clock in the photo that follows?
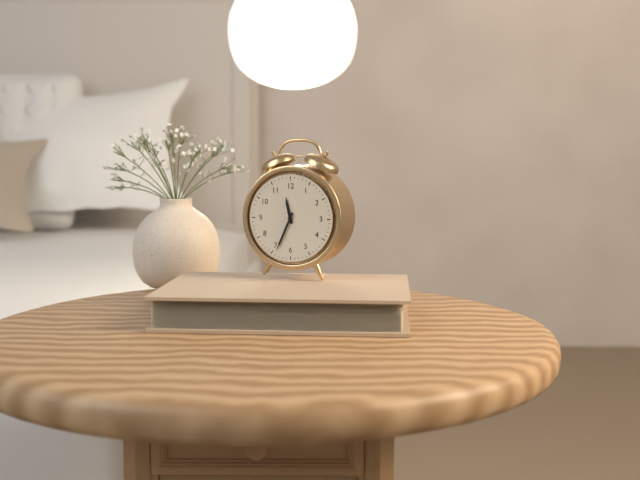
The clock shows 11.34
